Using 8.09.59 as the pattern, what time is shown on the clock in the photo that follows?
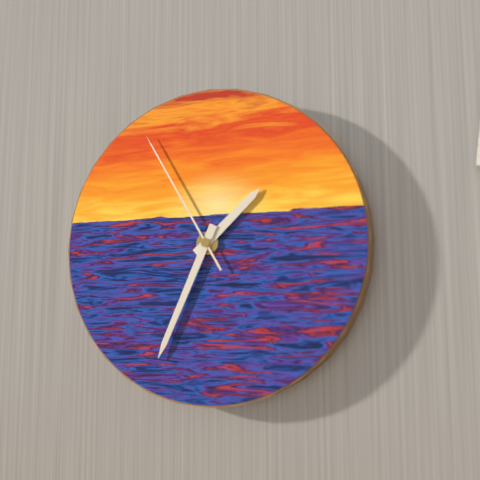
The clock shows 1.34.55
